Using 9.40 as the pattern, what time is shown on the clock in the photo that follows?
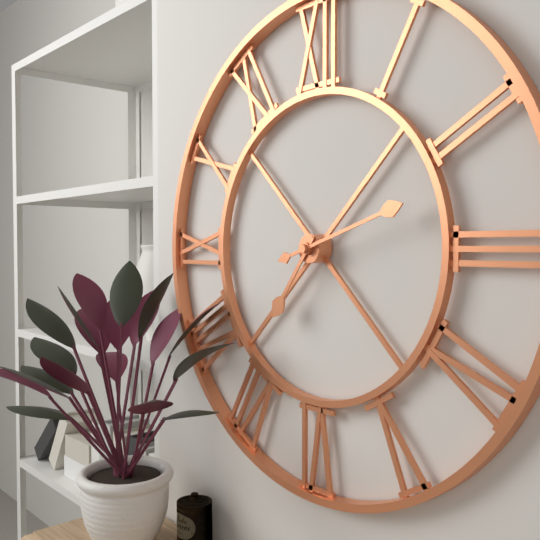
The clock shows 7.12
